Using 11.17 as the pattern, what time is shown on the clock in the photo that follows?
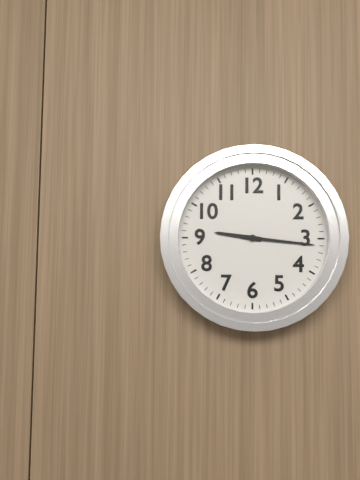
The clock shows 9.16
